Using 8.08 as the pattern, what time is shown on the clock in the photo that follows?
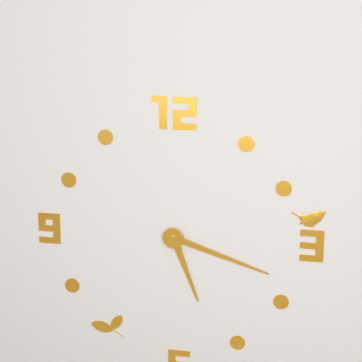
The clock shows 5.18
